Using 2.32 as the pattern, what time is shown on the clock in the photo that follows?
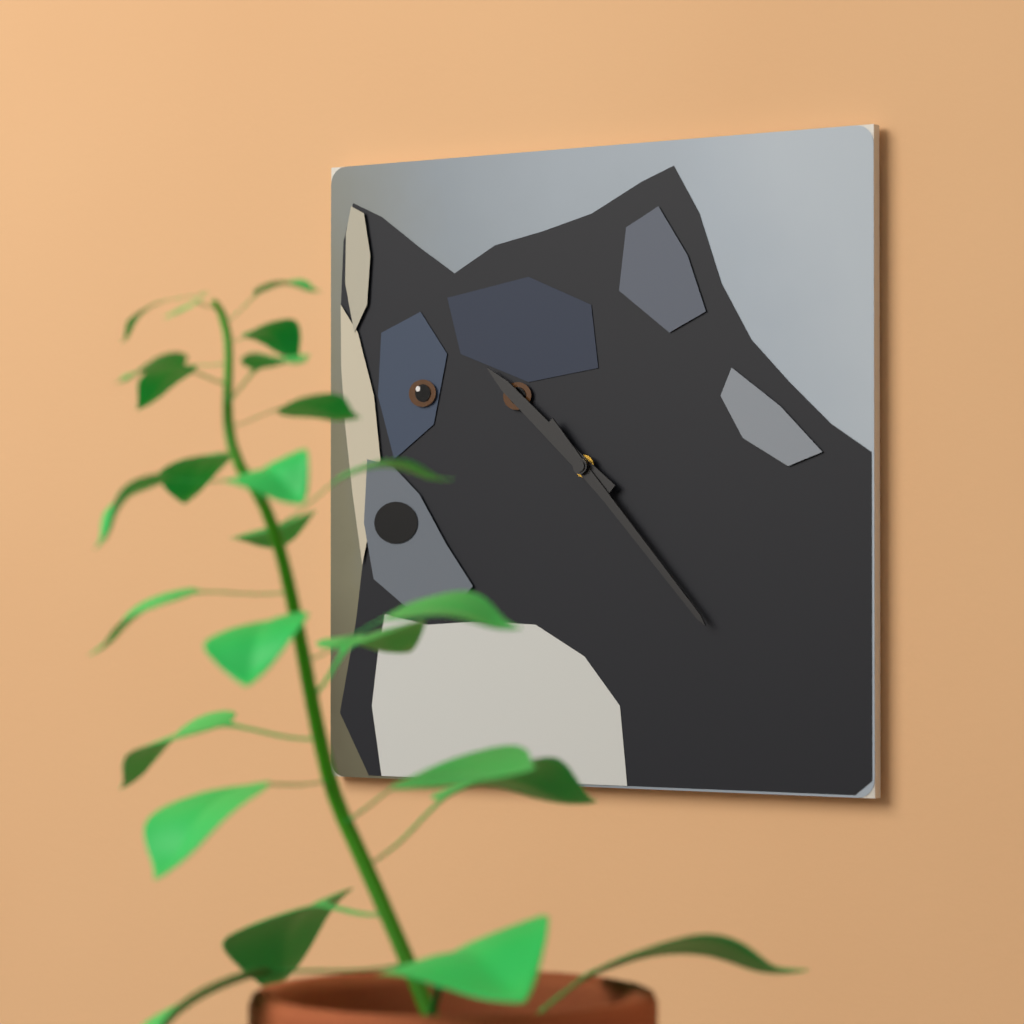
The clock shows 10.23
